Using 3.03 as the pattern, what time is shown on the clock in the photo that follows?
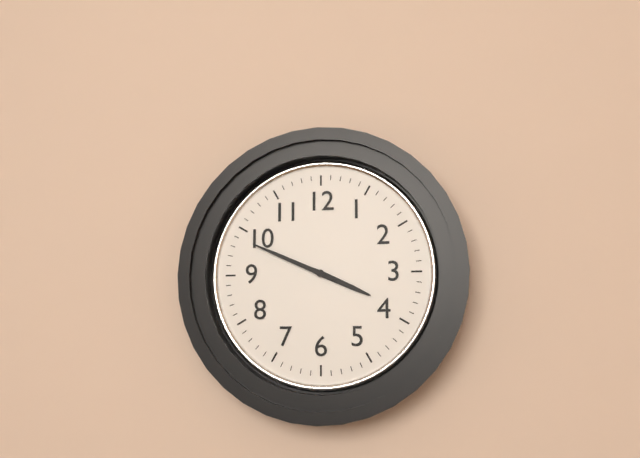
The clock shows 3.49
